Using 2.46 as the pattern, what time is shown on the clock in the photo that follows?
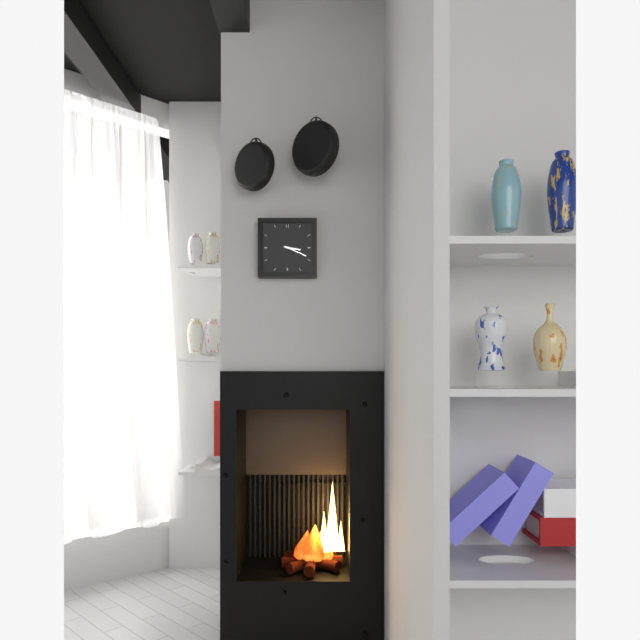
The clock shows 3.19
